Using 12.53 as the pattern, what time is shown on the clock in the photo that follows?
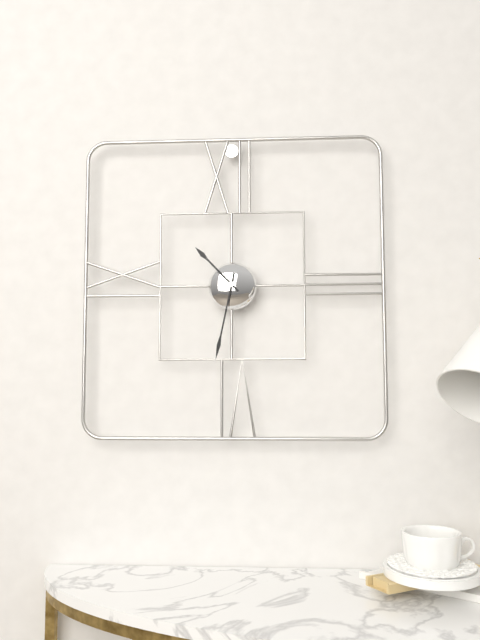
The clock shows 10.32
